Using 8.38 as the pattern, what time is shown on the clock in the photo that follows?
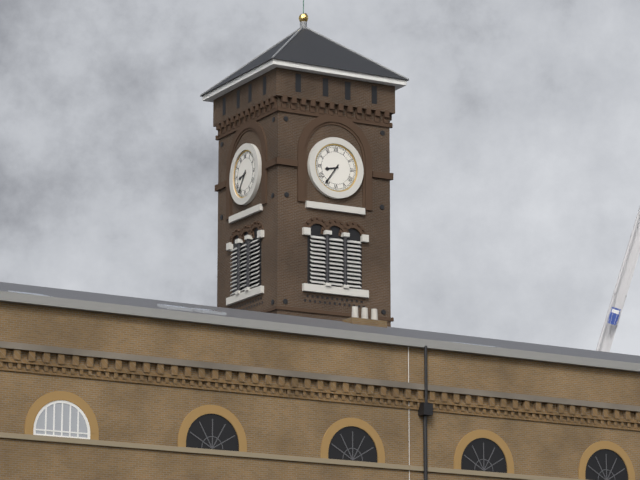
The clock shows 8.36
